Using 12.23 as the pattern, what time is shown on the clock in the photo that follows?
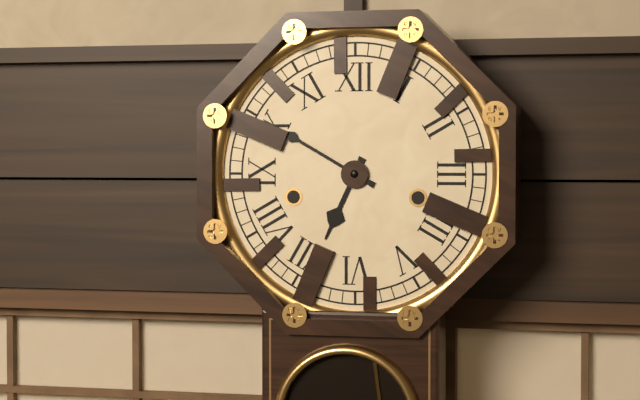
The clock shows 6.50
